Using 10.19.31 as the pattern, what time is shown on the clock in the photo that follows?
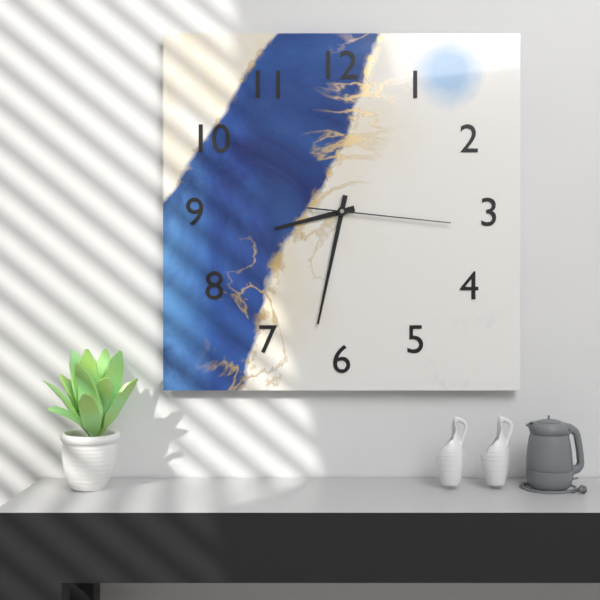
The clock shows 8.32.16
